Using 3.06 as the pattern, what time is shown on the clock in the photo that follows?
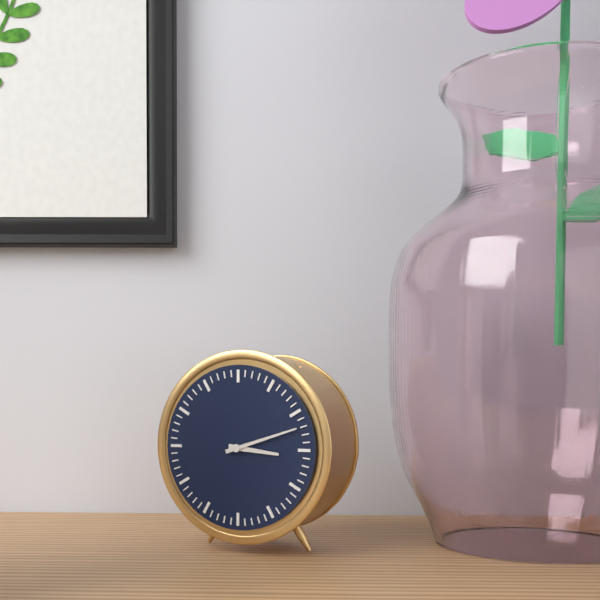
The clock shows 3.12
